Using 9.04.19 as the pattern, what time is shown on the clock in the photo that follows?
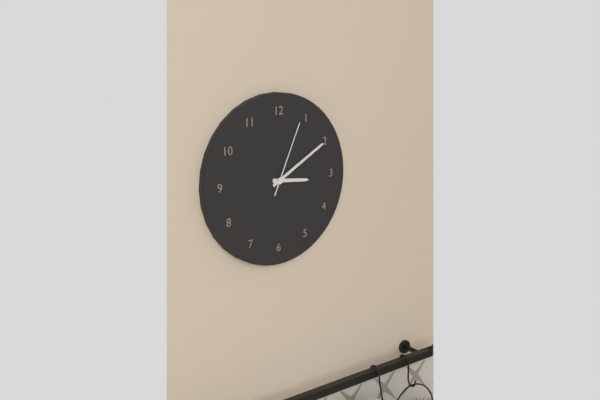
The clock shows 3.10.04
